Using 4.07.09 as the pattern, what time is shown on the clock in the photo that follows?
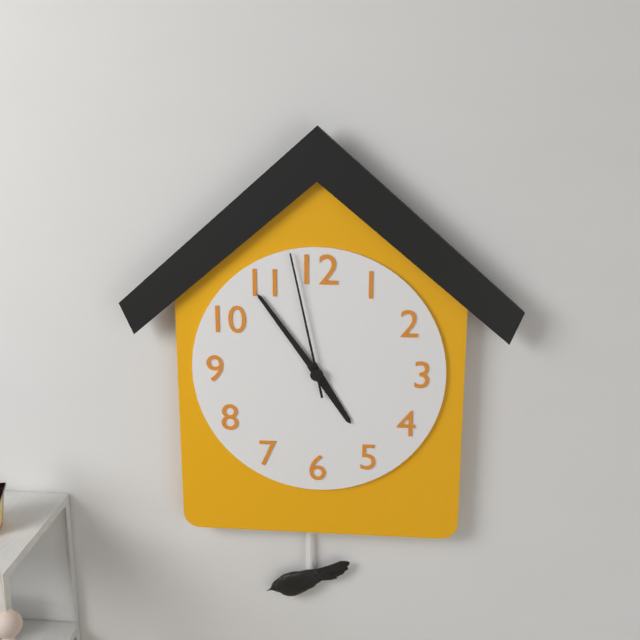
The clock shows 4.54.58
